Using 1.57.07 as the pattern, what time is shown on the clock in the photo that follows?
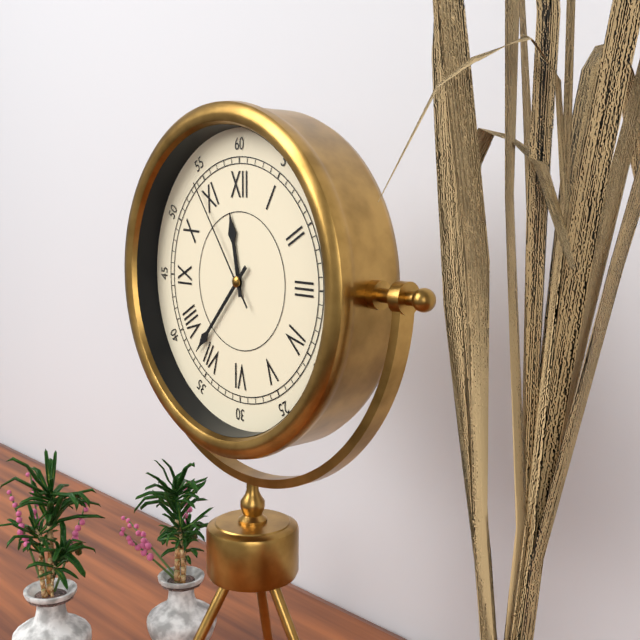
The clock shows 11.37.54
